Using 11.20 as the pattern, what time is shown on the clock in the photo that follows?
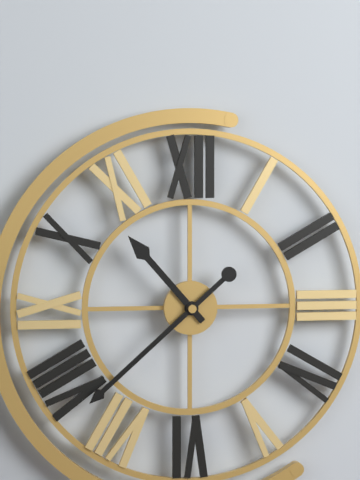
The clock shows 10.38
